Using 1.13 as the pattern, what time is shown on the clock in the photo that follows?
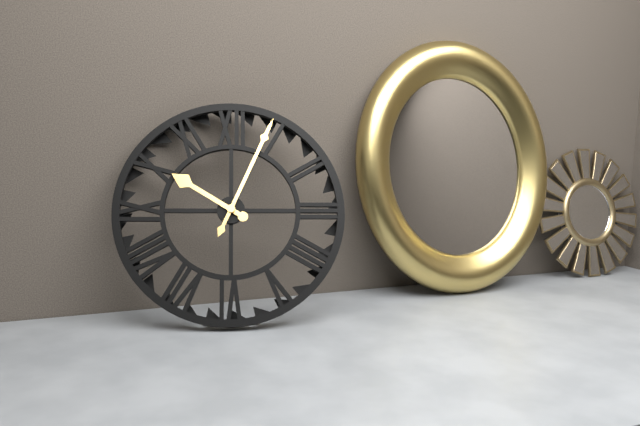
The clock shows 10.04
